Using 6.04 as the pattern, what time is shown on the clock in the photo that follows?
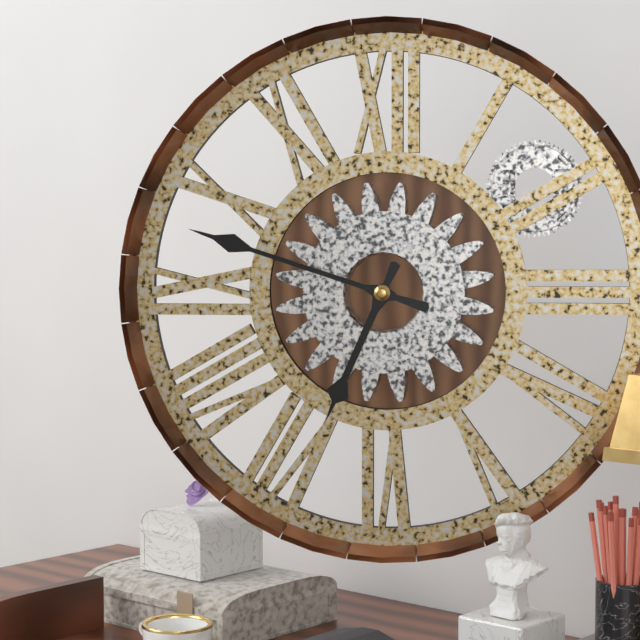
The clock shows 6.48
